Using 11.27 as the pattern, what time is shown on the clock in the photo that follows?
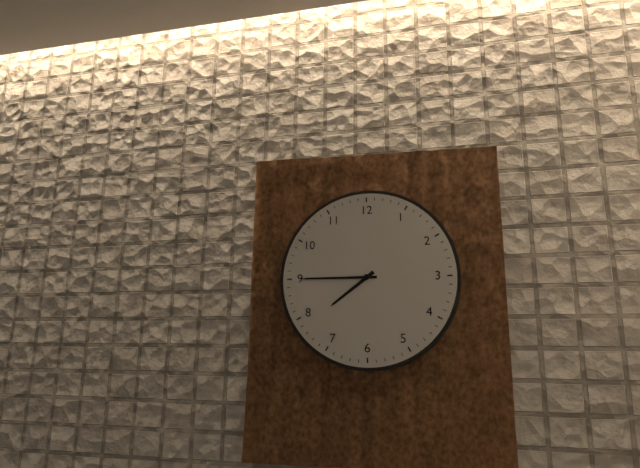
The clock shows 7.45
